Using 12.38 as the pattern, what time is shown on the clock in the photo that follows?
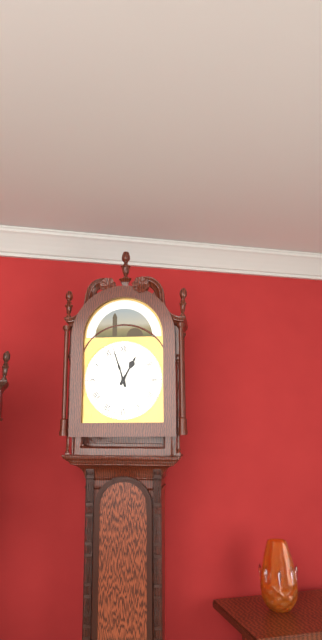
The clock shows 12.57
